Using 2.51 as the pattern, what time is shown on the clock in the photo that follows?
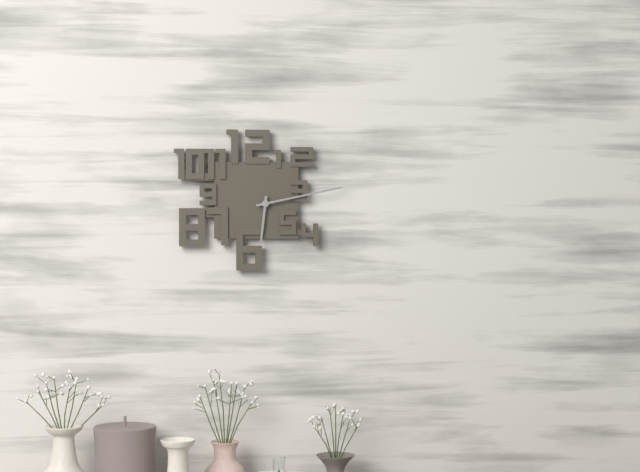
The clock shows 6.13
